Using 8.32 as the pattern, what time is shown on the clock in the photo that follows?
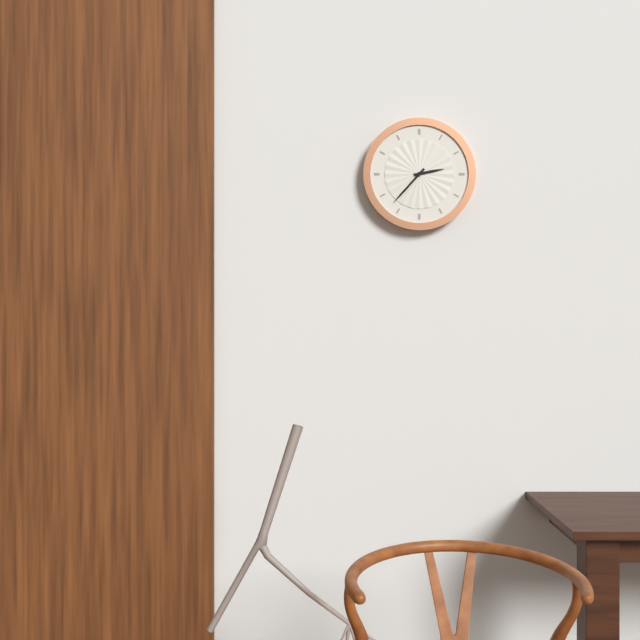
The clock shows 2.37
